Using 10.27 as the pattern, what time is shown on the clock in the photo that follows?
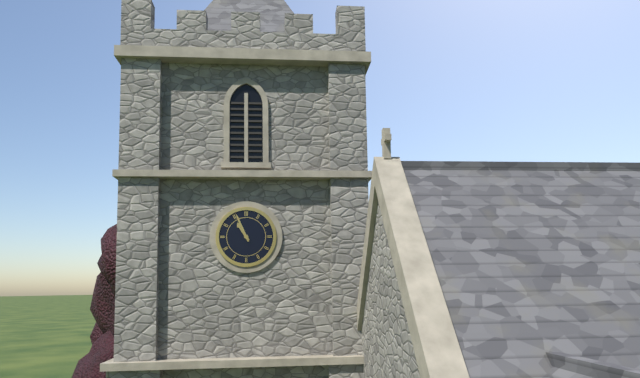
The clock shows 10.56
